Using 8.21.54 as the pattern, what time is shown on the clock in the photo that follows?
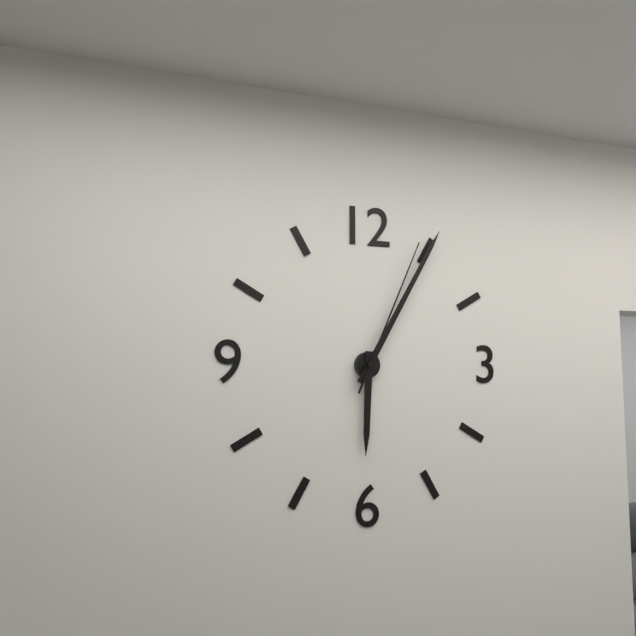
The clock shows 6.05.04
